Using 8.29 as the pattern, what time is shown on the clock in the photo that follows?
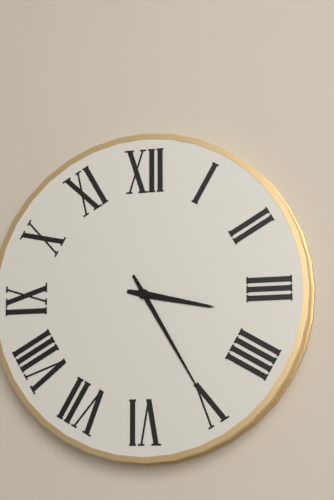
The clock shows 3.25
